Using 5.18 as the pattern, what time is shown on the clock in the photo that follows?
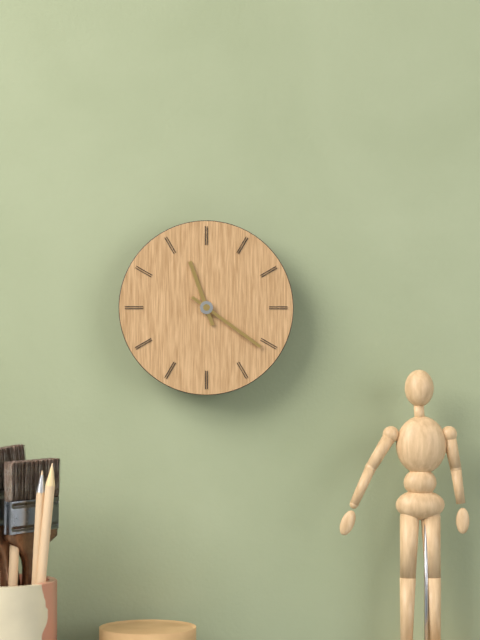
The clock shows 11.21
